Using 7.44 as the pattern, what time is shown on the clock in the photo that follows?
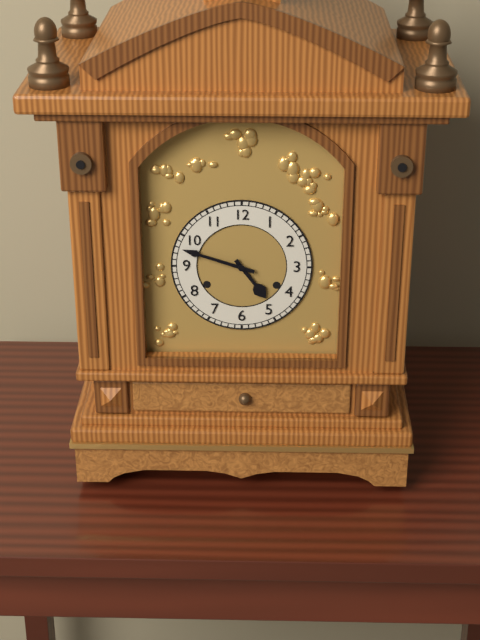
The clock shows 4.48
